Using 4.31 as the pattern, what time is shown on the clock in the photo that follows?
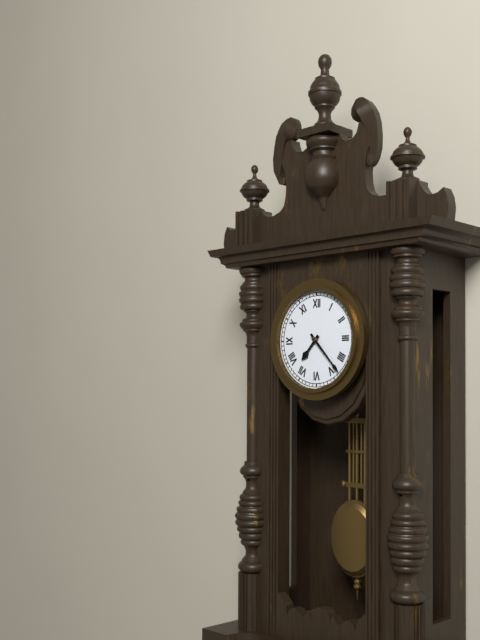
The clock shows 7.23
